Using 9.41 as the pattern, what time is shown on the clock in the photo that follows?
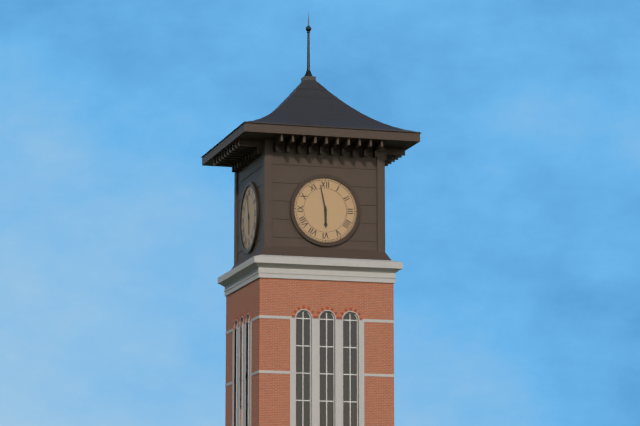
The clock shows 5.58
